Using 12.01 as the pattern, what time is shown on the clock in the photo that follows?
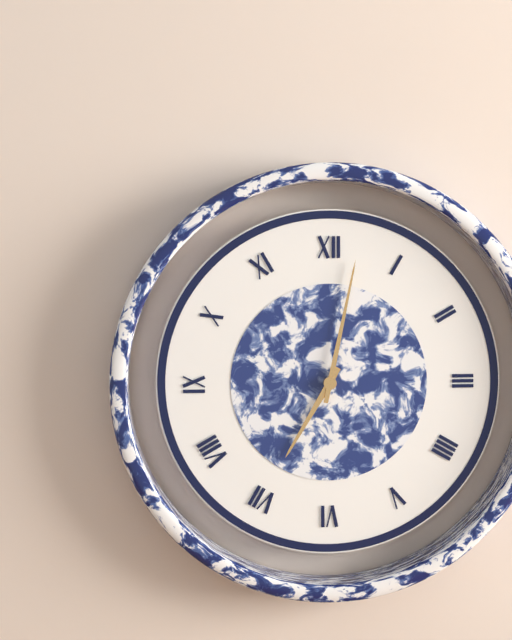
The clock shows 7.02
